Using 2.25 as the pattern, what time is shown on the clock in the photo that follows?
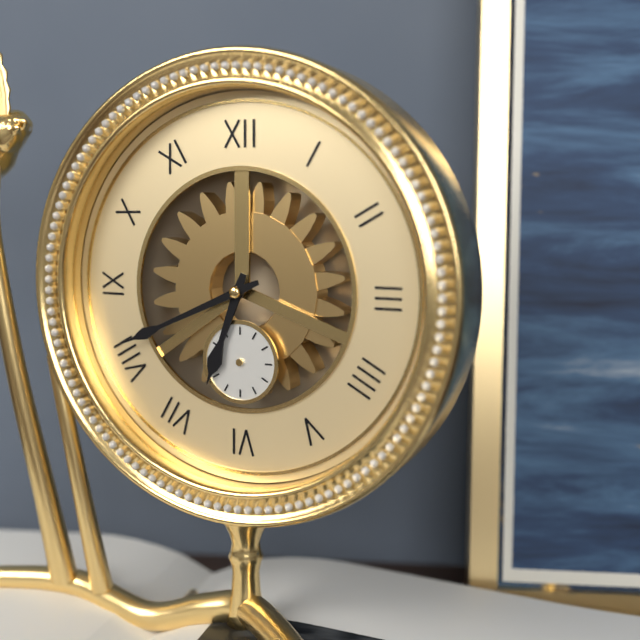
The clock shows 6.41
